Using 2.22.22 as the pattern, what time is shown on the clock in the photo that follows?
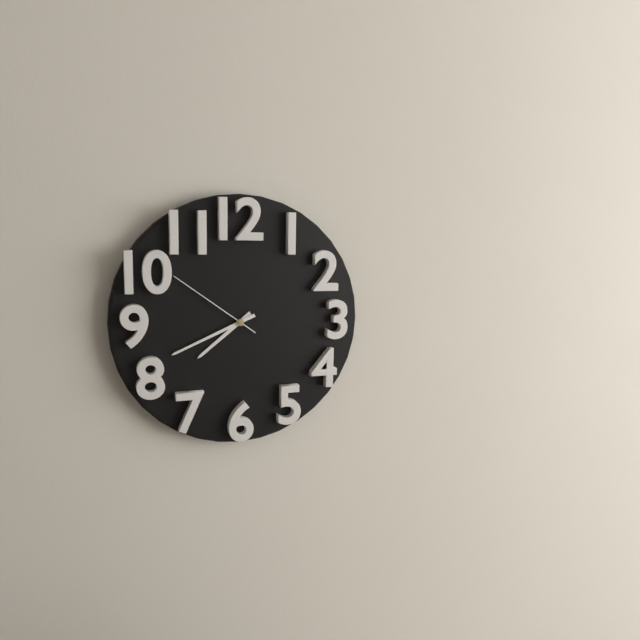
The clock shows 7.41.51
